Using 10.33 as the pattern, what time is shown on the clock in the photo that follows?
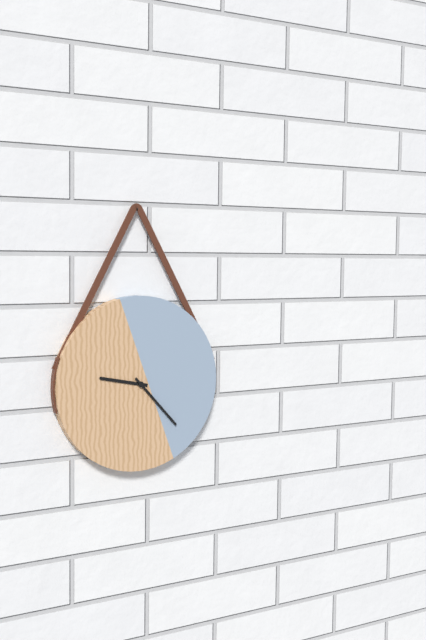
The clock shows 9.23
